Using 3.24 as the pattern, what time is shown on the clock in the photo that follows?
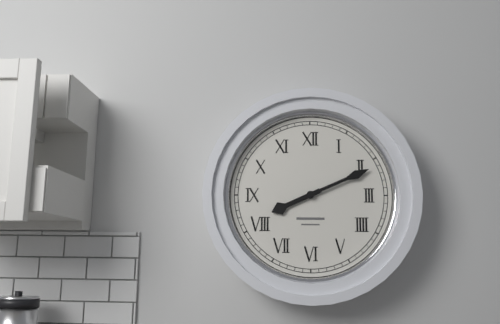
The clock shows 8.11
